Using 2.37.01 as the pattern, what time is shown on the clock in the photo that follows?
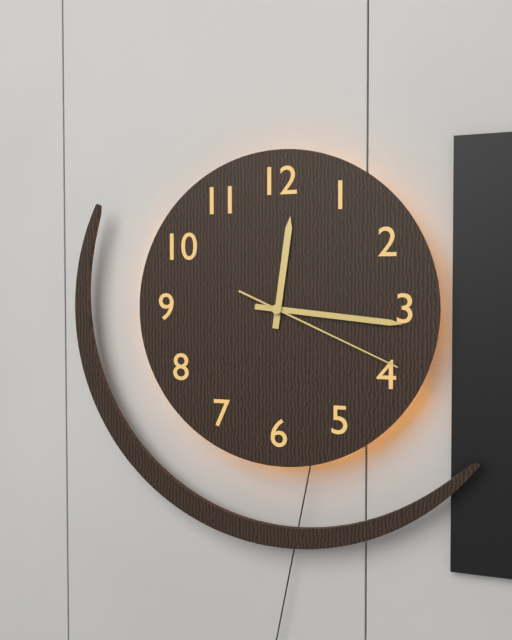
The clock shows 12.16.19
